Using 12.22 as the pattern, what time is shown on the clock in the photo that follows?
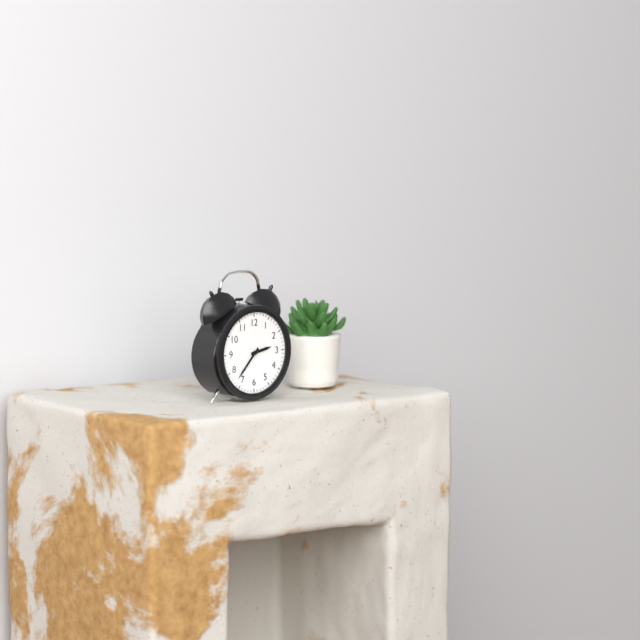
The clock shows 2.37
